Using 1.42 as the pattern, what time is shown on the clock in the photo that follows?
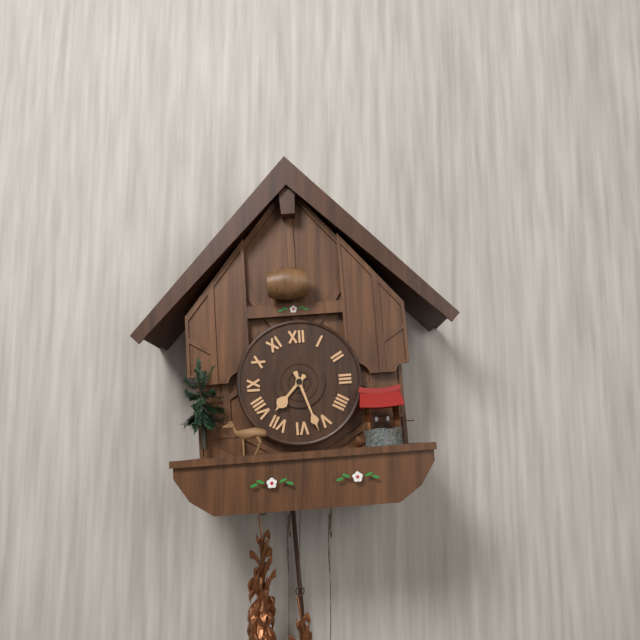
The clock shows 7.27
